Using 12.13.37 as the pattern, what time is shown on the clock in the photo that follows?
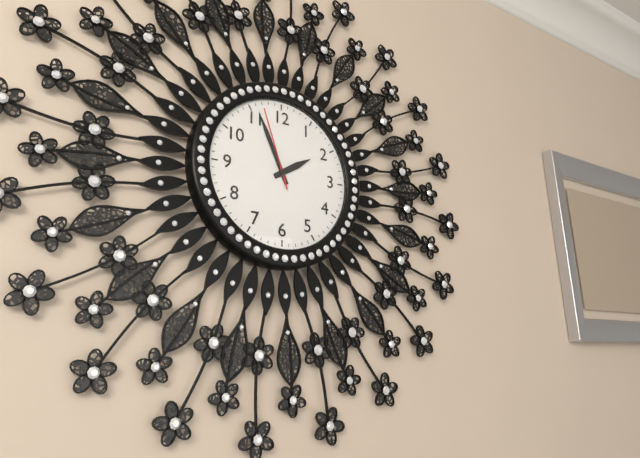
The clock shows 1.56.57
